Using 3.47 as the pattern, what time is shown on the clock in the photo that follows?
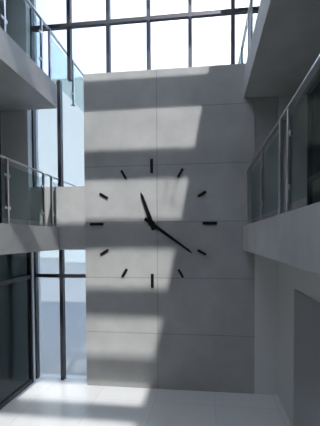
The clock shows 11.21
